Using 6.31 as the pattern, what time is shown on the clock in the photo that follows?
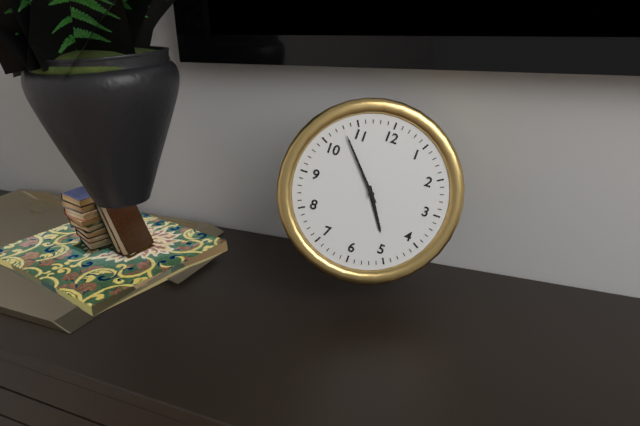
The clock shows 4.53
